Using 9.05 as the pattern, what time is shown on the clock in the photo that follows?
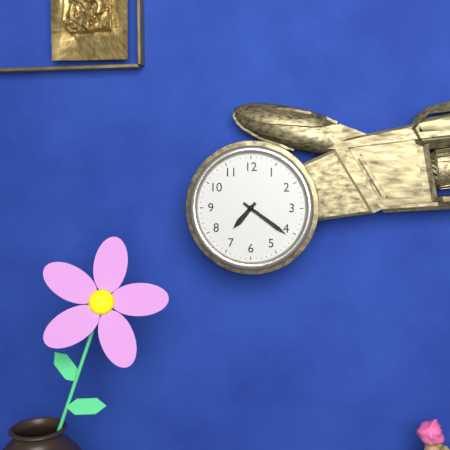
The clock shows 7.21
